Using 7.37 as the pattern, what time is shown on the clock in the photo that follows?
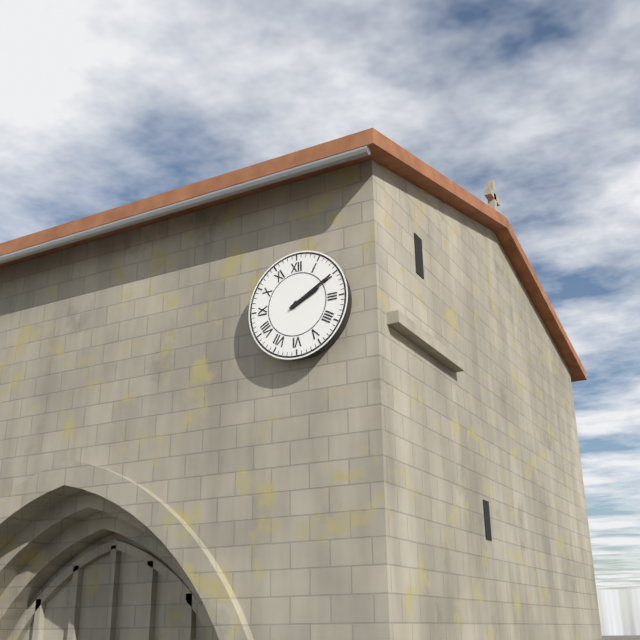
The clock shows 2.10
